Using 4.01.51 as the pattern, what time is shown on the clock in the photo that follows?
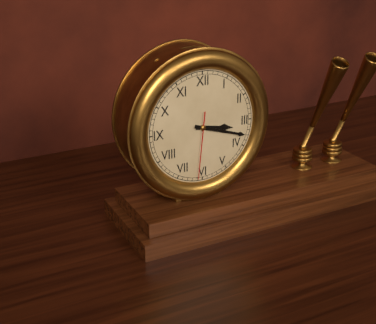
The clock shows 3.18.31
